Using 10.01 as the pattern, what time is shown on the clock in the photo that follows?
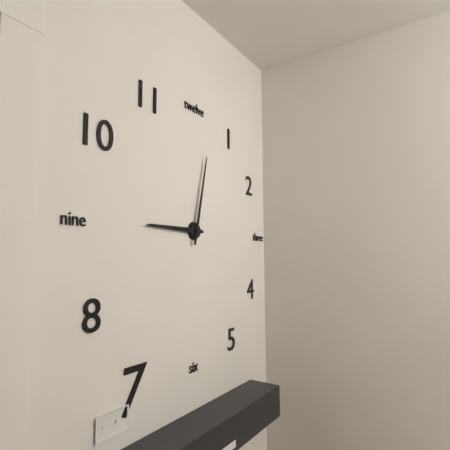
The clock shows 9.02
